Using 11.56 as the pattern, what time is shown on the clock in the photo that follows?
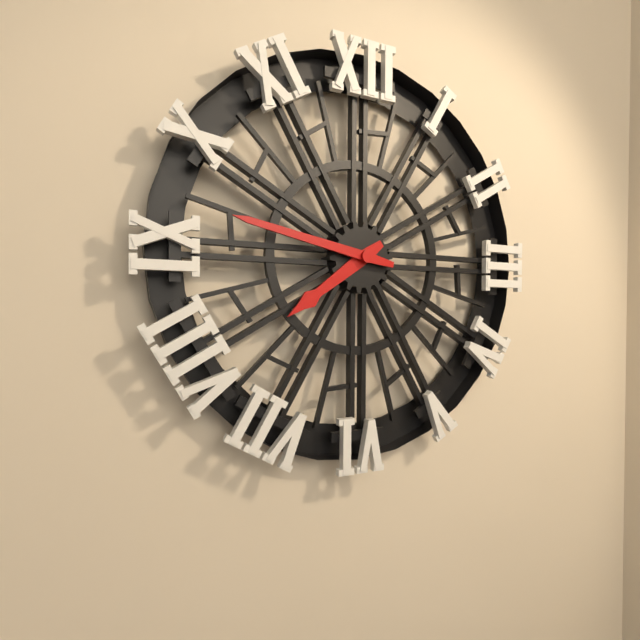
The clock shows 7.47
